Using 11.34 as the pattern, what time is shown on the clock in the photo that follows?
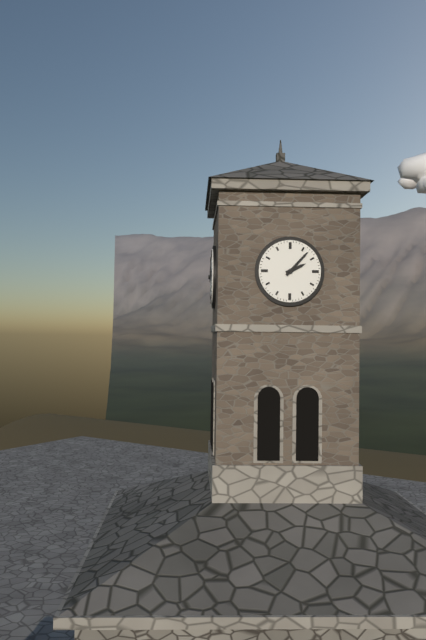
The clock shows 2.07
